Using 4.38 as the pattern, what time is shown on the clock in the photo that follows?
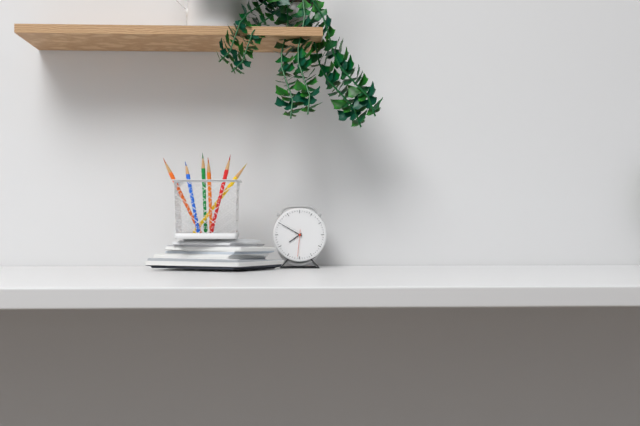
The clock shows 7.50
